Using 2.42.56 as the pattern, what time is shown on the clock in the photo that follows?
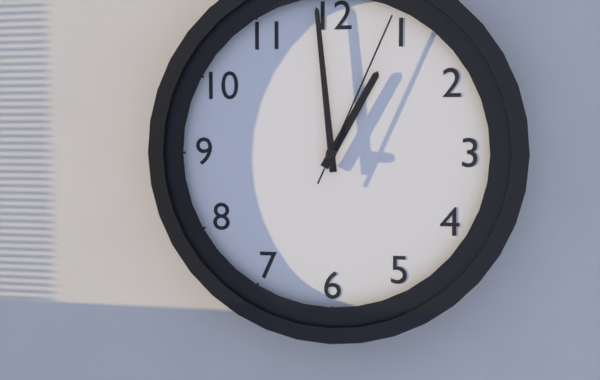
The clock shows 12.59.04
